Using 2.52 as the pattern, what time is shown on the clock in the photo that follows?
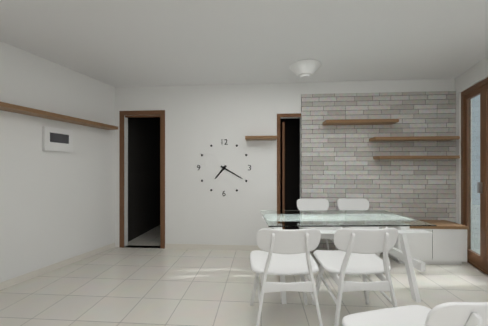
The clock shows 7.20
